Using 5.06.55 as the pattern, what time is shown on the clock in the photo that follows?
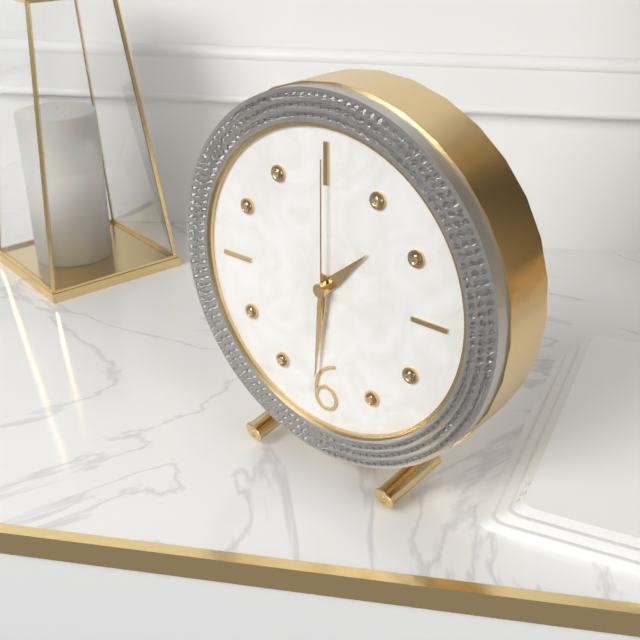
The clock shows 1.31.00
